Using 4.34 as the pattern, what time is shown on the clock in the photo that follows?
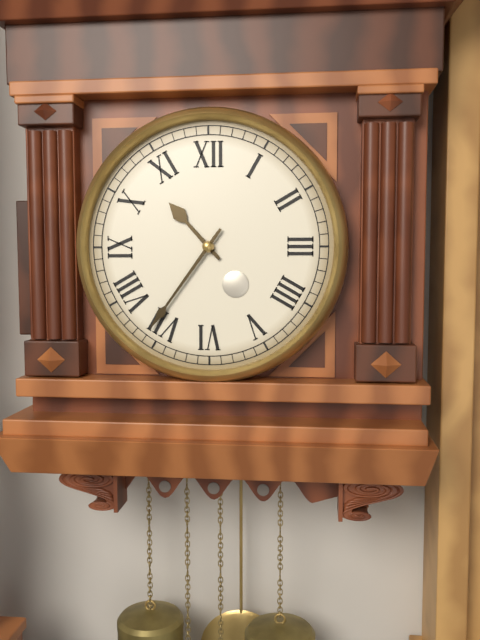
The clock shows 10.36
